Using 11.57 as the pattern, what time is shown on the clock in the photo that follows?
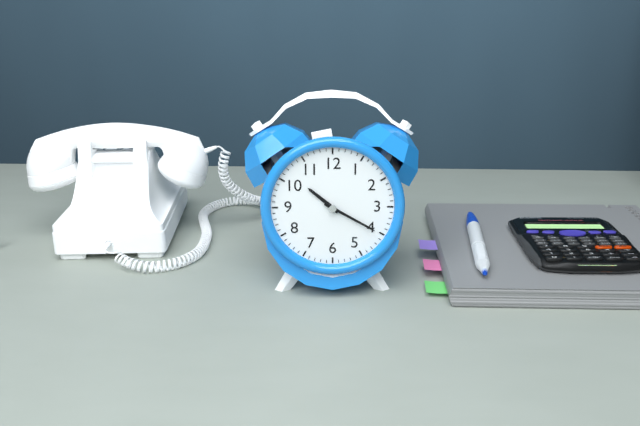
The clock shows 10.20
